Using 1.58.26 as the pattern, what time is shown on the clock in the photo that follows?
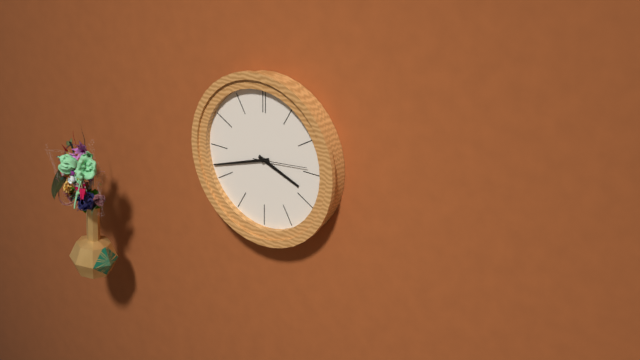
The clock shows 3.42.14
